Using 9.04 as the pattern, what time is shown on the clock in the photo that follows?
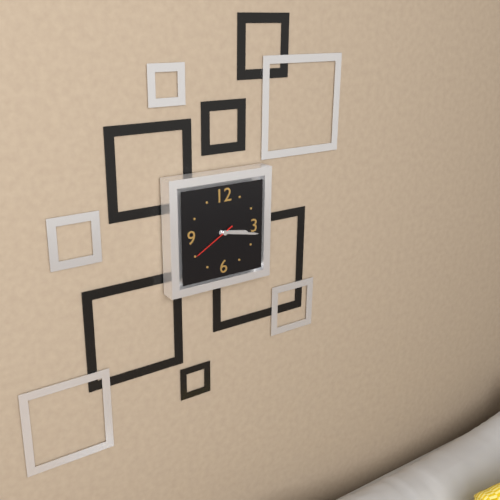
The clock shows 3.17
